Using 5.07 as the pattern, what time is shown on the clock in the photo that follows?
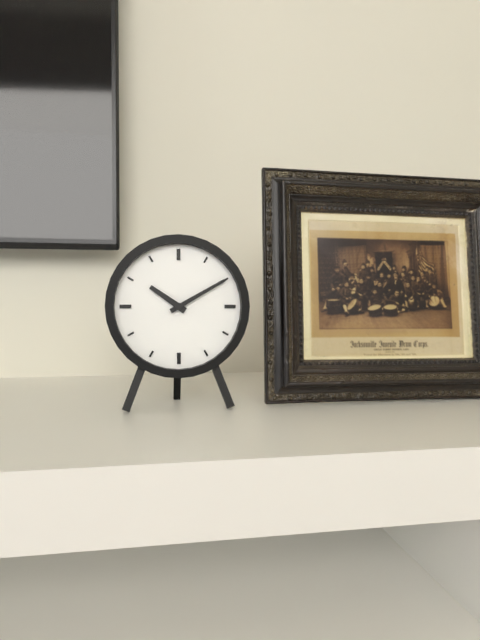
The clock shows 10.10
